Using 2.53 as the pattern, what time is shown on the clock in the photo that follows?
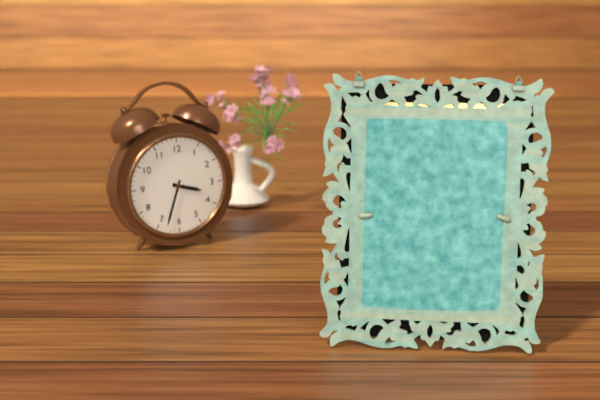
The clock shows 3.33
